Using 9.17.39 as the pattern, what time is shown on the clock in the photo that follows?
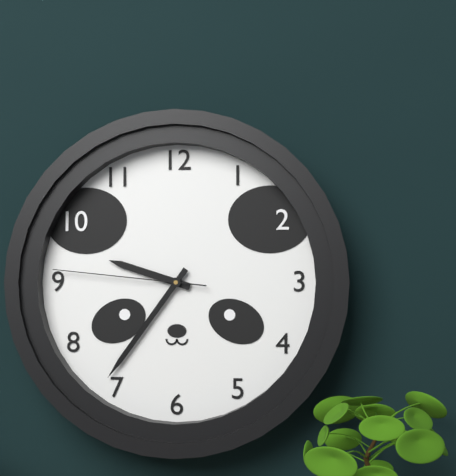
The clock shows 9.36.46
